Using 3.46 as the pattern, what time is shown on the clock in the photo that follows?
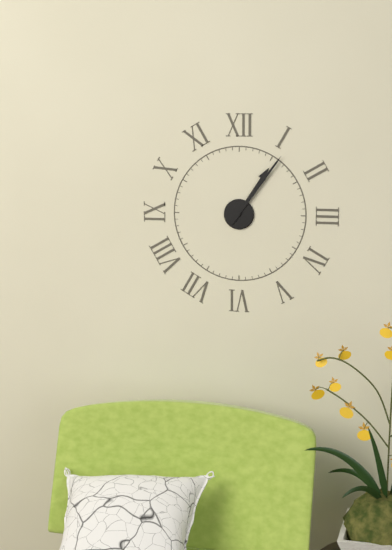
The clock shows 1.06
